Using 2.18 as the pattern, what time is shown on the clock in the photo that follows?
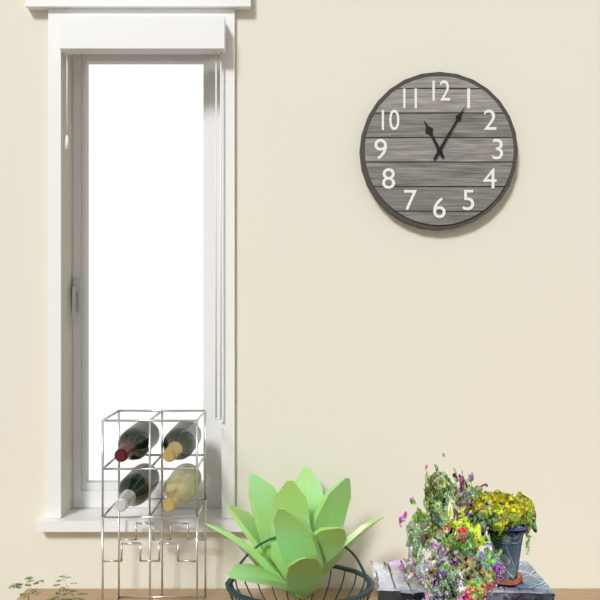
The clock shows 11.05
